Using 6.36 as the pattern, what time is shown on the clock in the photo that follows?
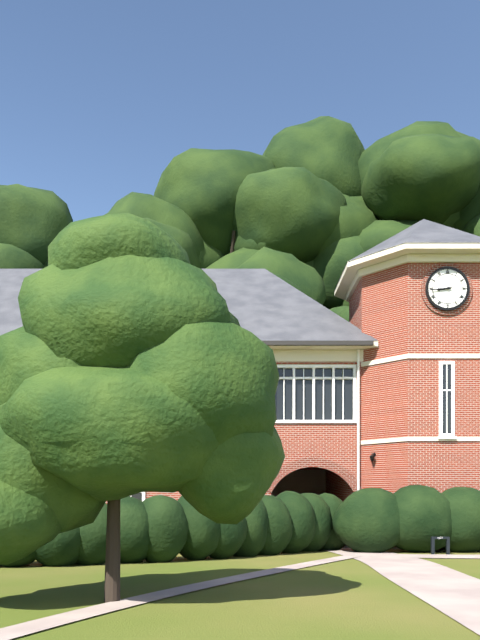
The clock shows 8.44
